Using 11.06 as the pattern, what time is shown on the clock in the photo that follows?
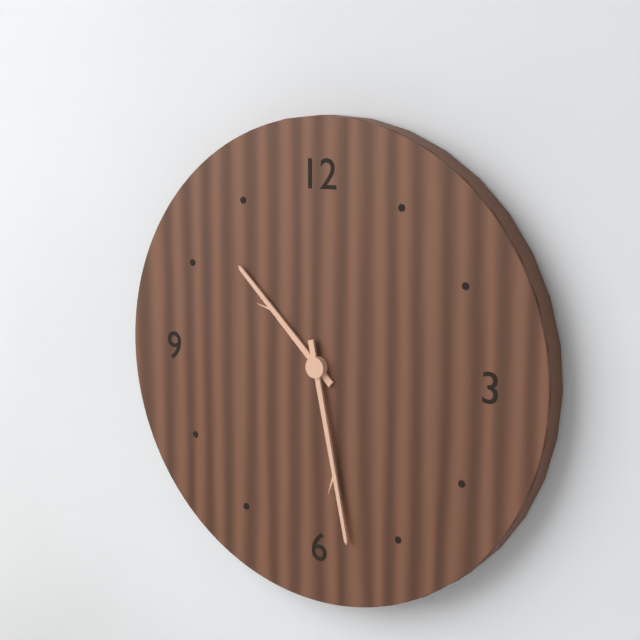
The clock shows 10.28
